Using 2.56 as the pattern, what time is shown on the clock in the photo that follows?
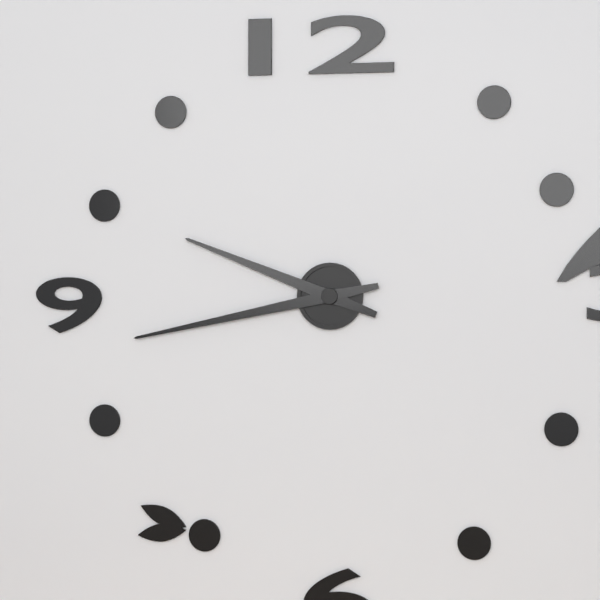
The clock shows 9.43
